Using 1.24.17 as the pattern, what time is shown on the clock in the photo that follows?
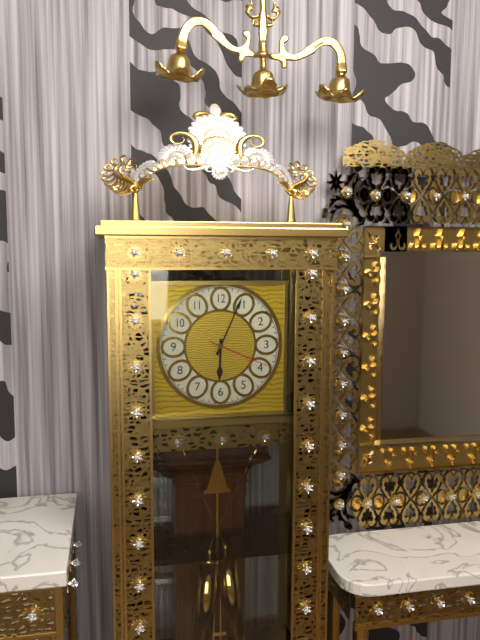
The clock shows 6.04.19
